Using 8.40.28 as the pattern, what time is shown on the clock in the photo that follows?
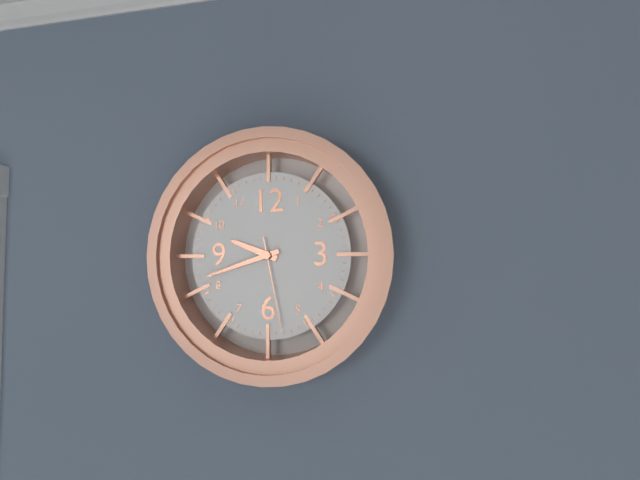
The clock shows 9.42.28
